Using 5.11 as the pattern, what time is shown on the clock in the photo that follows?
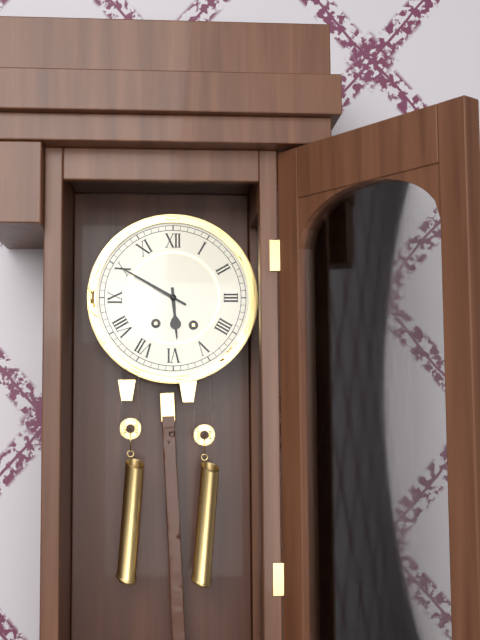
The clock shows 5.50
